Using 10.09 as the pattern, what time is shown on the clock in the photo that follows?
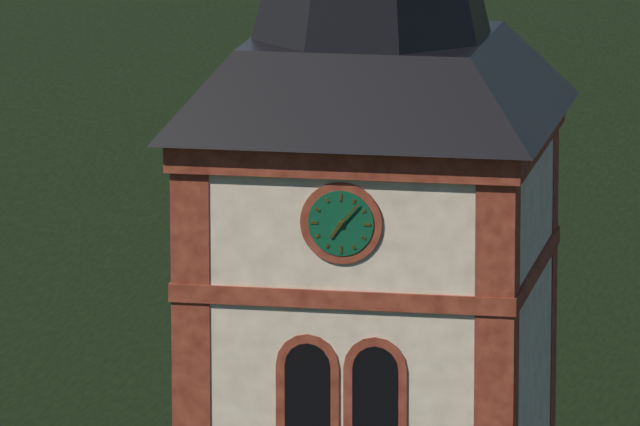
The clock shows 7.07
